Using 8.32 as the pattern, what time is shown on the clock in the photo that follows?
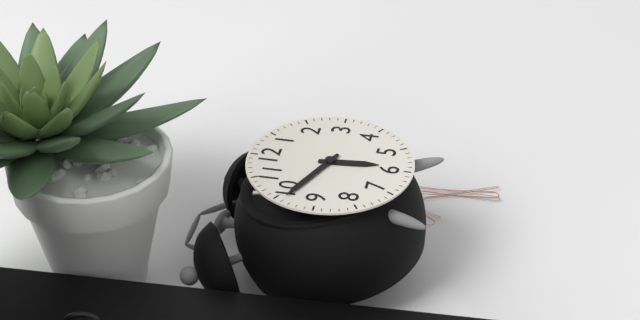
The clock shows 5.49
